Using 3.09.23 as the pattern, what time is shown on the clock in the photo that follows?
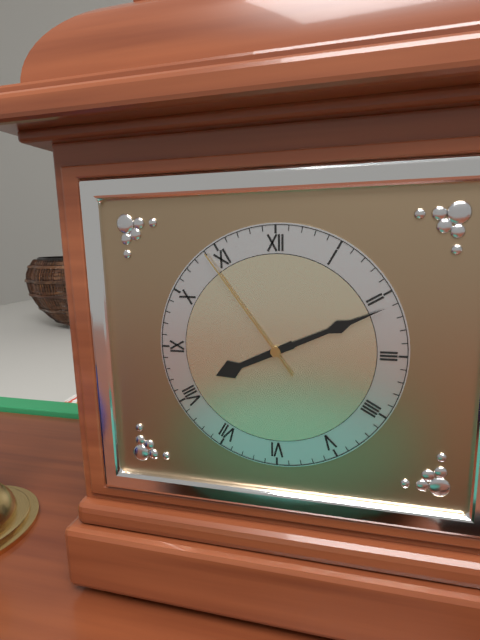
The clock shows 8.11.54
